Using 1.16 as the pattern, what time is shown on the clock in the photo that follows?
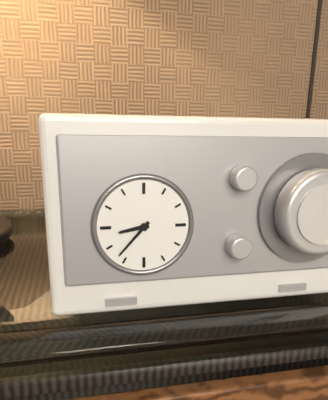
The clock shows 8.37
